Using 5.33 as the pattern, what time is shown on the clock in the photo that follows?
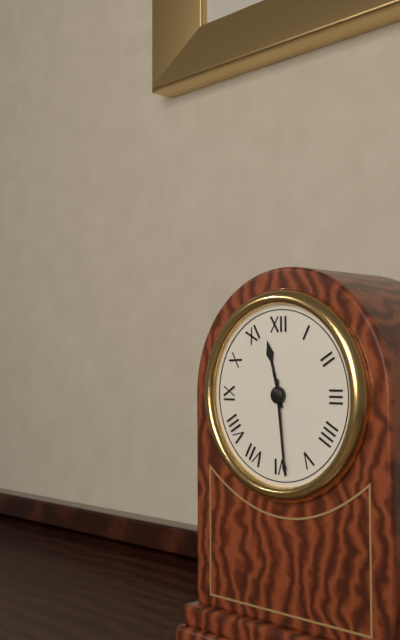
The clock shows 11.29
